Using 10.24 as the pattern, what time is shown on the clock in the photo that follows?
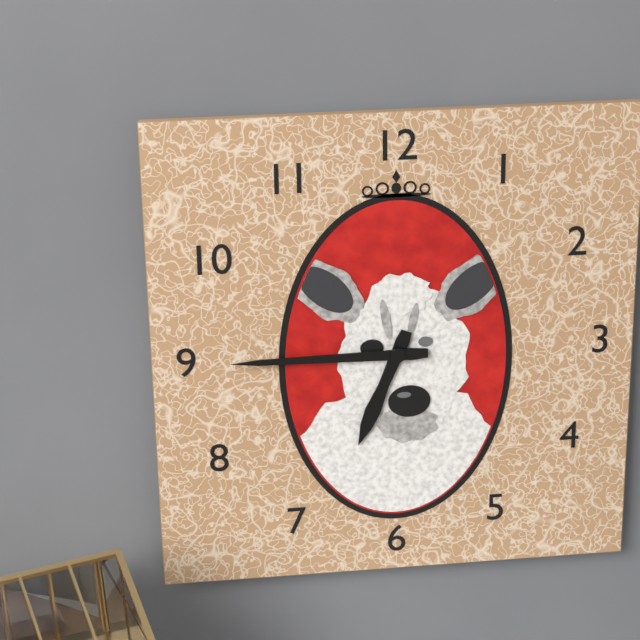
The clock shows 6.45
